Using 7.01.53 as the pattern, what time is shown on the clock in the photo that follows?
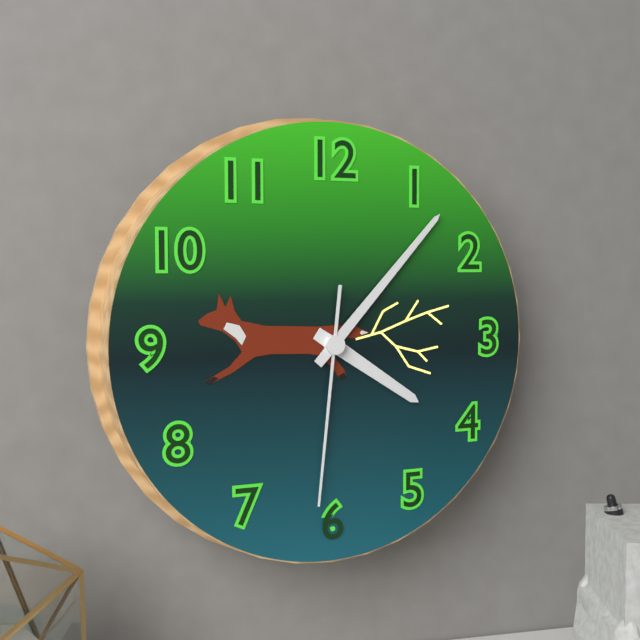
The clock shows 4.07.31
